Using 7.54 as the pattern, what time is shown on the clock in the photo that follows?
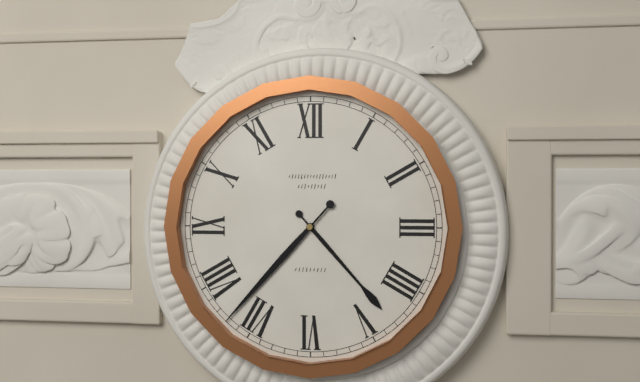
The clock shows 4.37
